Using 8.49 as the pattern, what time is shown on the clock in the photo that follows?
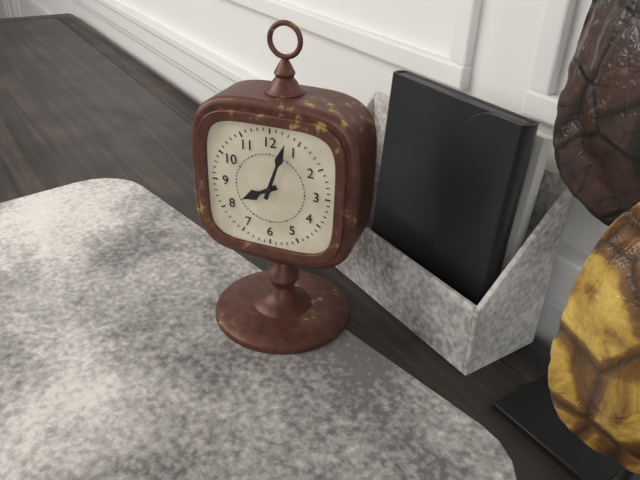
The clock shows 8.03
